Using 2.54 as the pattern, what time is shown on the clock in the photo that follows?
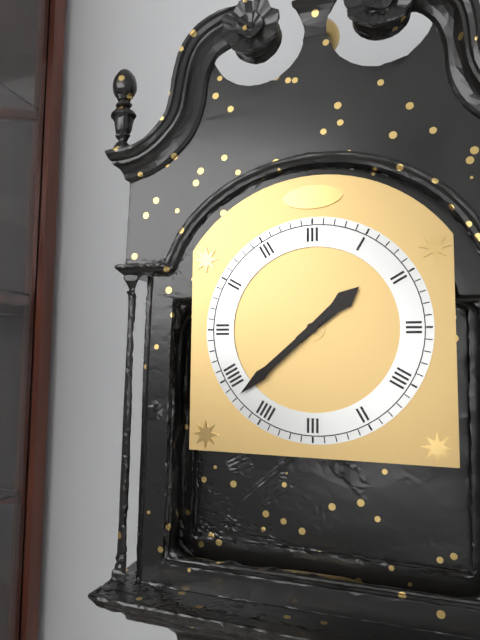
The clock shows 1.38
